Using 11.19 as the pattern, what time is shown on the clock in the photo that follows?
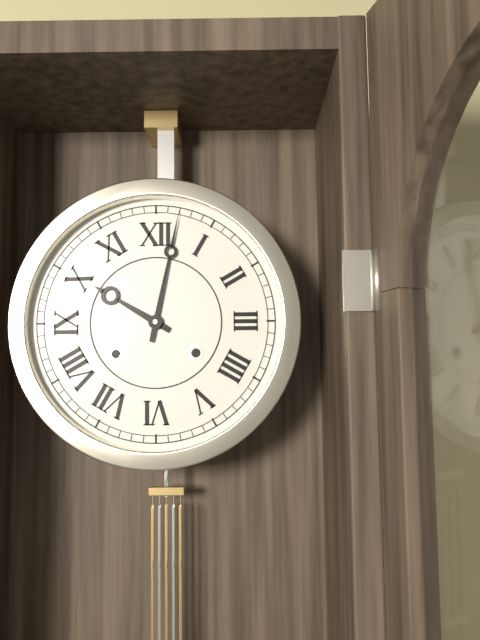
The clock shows 10.02
